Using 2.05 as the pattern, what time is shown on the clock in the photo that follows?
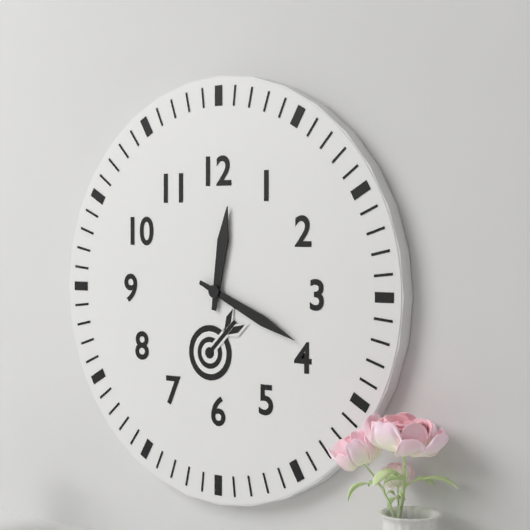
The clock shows 12.19
